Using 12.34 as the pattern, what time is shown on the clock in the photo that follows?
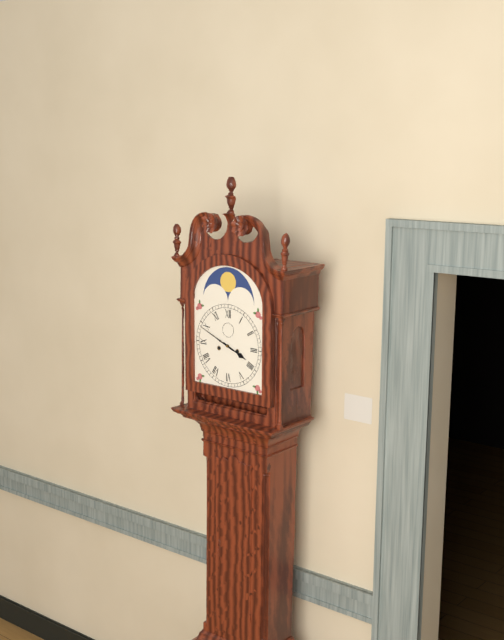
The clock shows 3.49
